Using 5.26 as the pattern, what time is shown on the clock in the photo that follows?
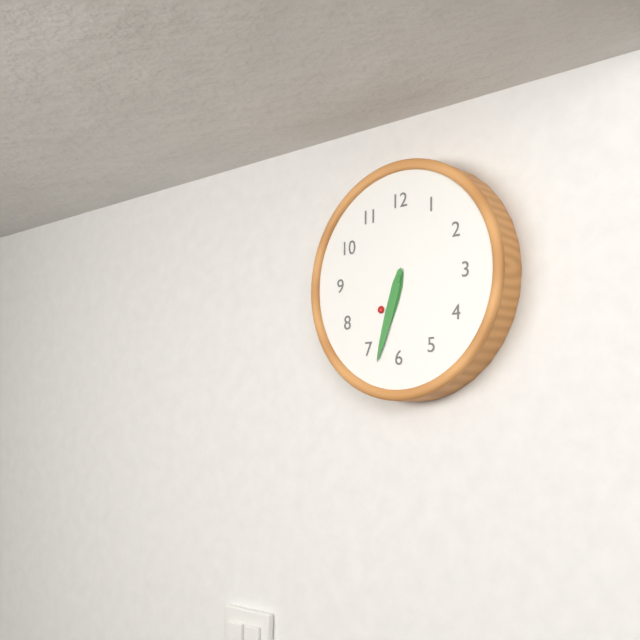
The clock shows 6.33
